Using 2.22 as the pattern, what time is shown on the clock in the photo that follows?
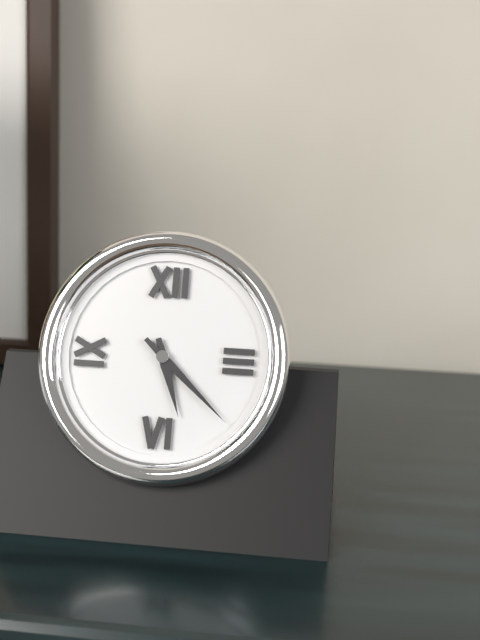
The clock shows 5.22
